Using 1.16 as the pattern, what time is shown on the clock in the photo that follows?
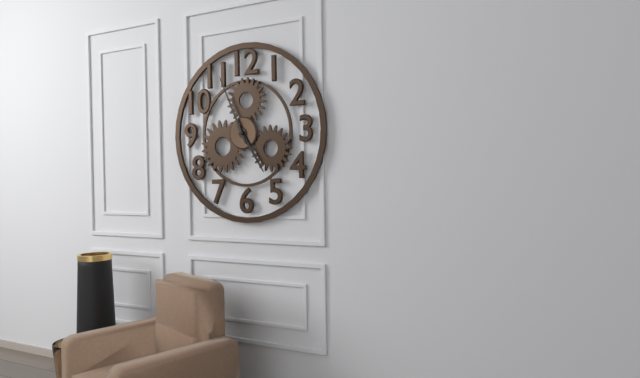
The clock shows 4.56
